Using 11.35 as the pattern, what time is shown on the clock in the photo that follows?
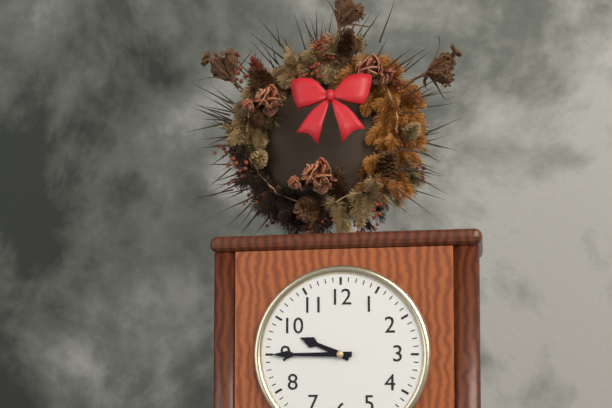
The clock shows 9.45
